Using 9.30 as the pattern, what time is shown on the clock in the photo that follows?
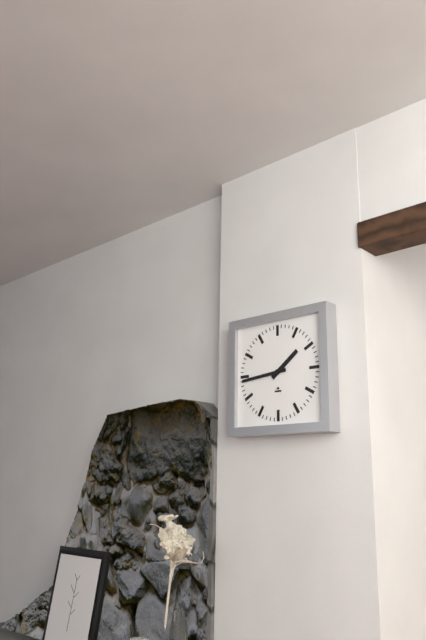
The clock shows 1.44
